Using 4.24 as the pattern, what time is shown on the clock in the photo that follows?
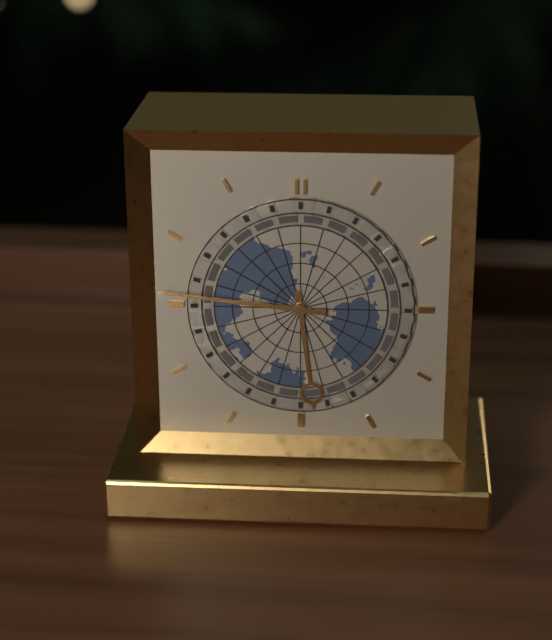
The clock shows 5.46
